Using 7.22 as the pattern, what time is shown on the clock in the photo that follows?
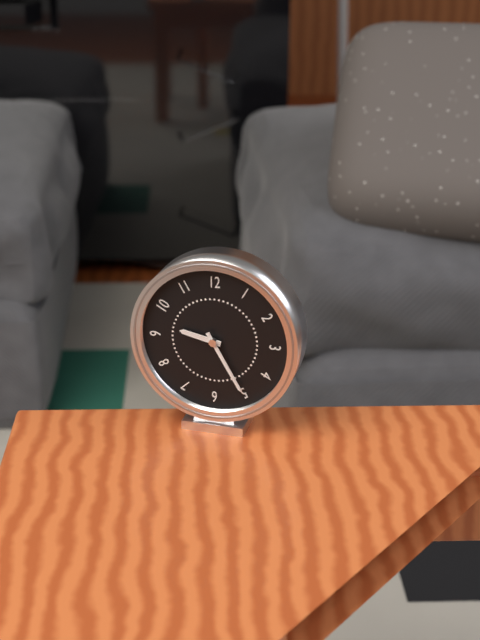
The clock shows 9.25
